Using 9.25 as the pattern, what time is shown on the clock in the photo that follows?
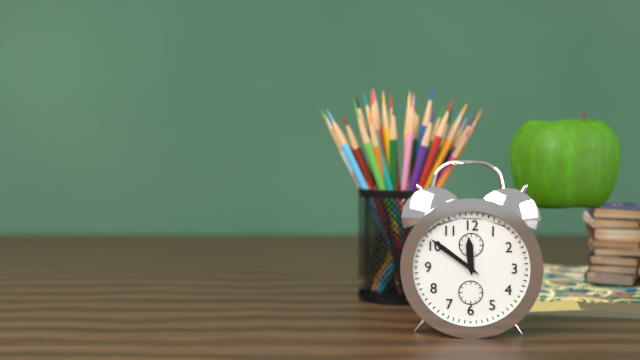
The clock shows 11.51
